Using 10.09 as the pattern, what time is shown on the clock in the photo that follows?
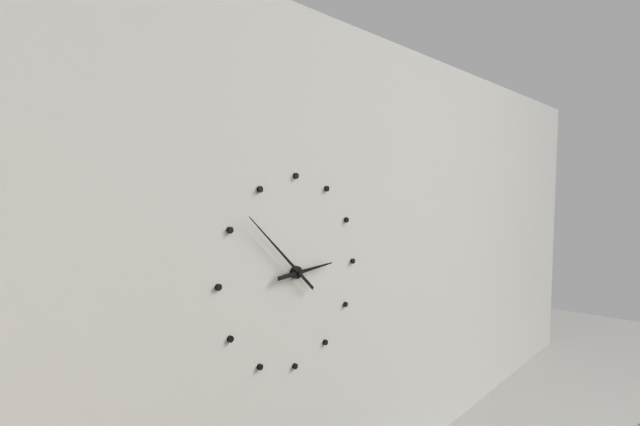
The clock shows 2.52
